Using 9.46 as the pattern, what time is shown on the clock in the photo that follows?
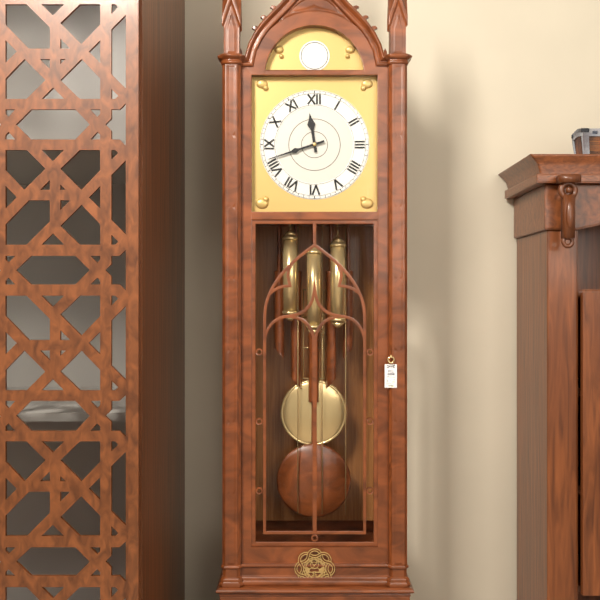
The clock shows 11.42
